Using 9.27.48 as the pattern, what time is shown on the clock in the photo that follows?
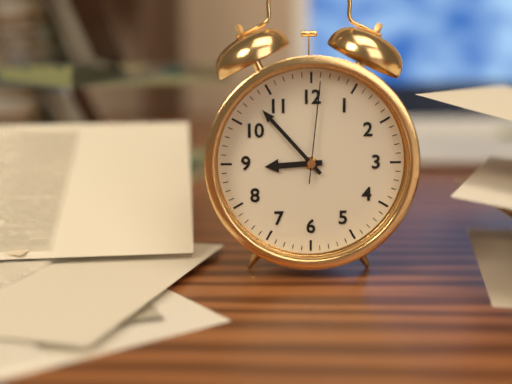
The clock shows 8.53.01
